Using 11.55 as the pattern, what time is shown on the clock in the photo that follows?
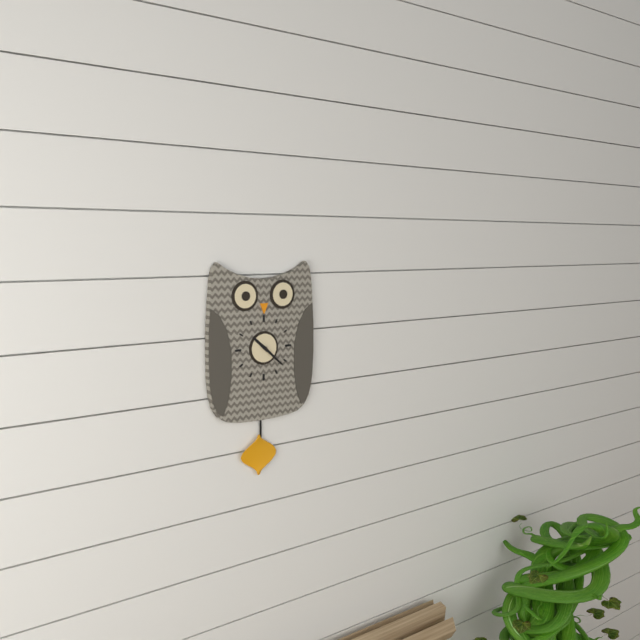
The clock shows 10.22
